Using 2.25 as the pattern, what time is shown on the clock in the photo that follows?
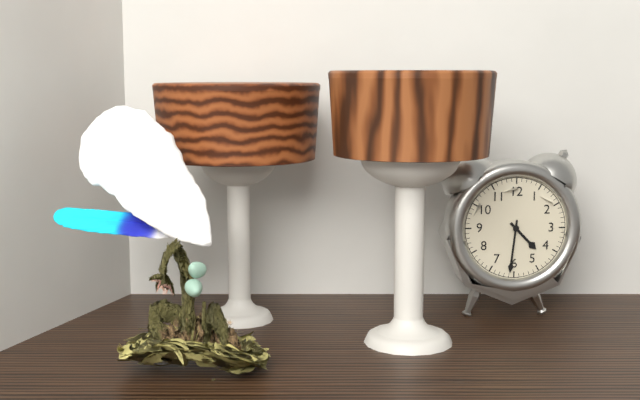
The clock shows 4.31
